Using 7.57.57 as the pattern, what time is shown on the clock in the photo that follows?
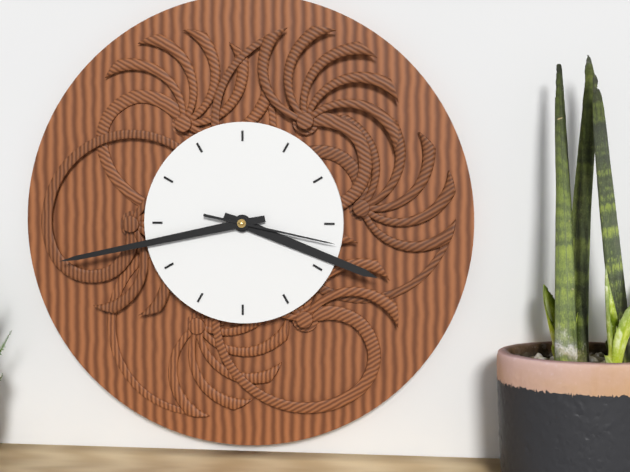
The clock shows 3.43.17
